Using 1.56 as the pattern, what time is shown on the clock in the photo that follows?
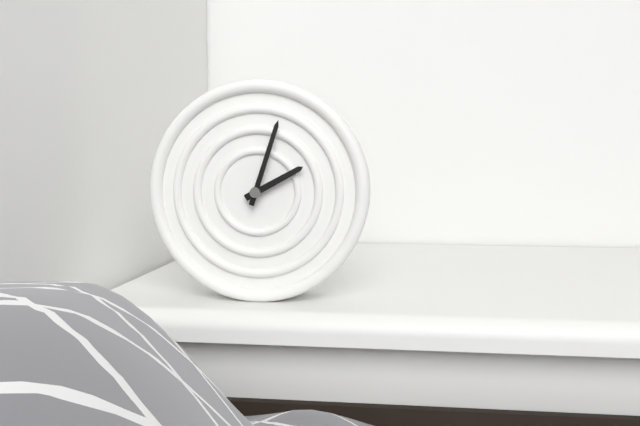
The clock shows 2.03
